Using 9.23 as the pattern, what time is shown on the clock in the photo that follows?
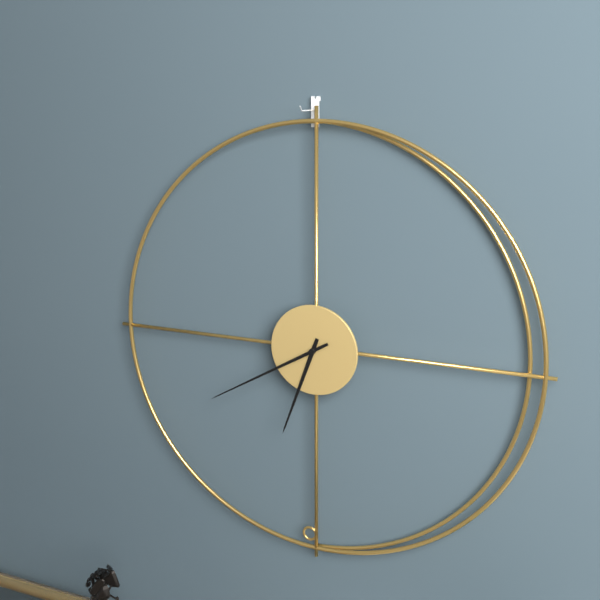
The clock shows 6.40
